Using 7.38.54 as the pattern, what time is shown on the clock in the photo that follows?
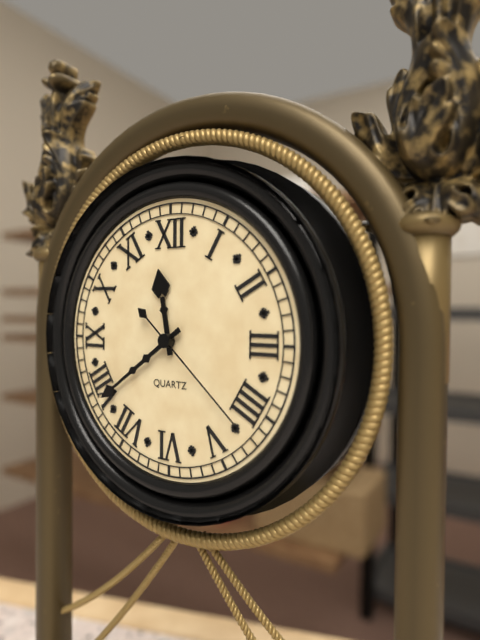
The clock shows 11.39.22
